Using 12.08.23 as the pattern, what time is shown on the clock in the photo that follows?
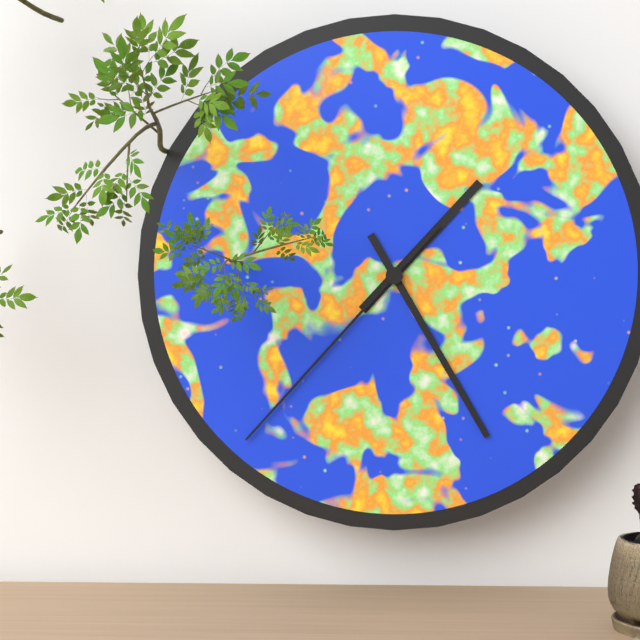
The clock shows 1.25.37
